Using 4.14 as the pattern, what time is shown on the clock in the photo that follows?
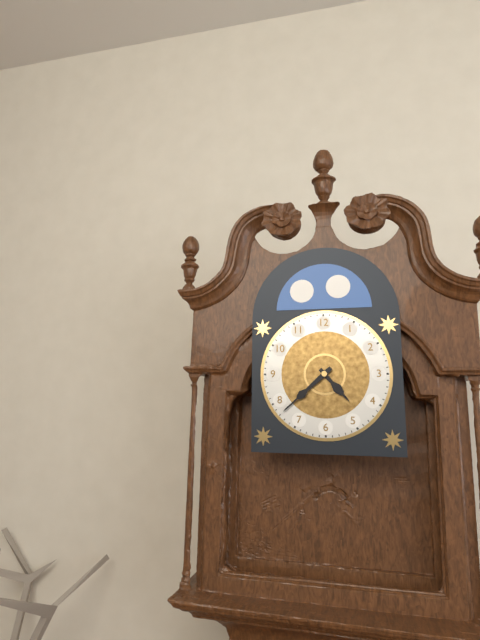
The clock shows 4.38
